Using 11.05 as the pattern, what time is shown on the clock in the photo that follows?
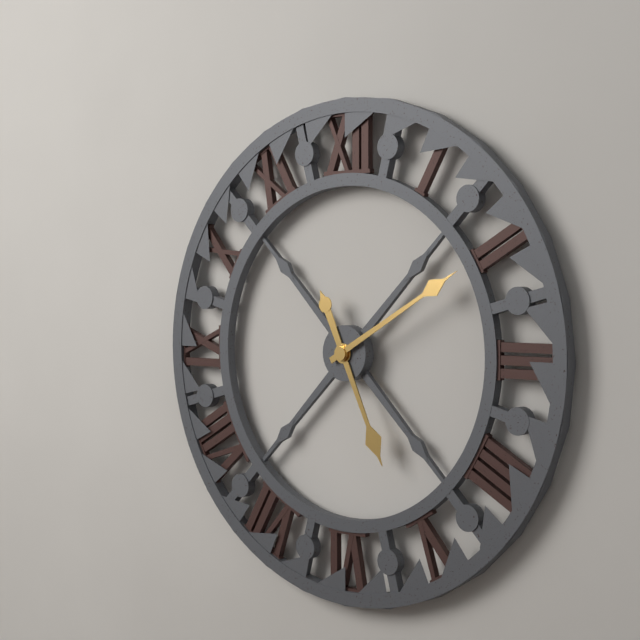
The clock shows 5.10
